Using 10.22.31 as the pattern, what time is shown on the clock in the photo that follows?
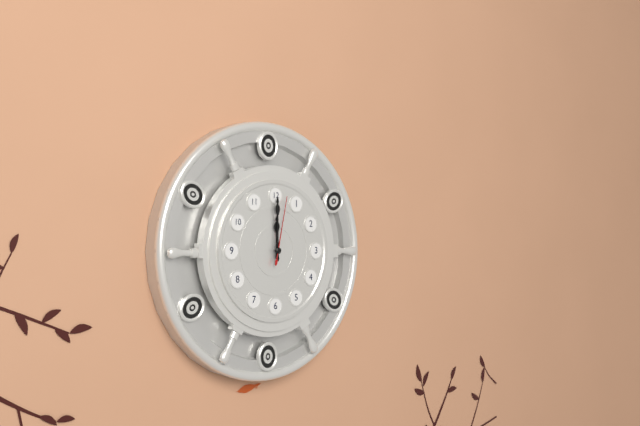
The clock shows 12.00.02
